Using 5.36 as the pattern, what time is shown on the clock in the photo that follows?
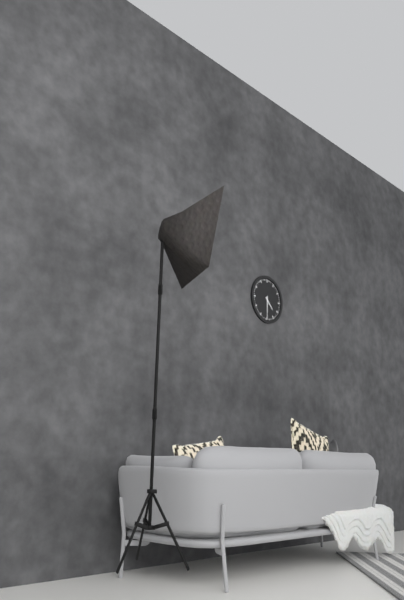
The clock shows 4.30
